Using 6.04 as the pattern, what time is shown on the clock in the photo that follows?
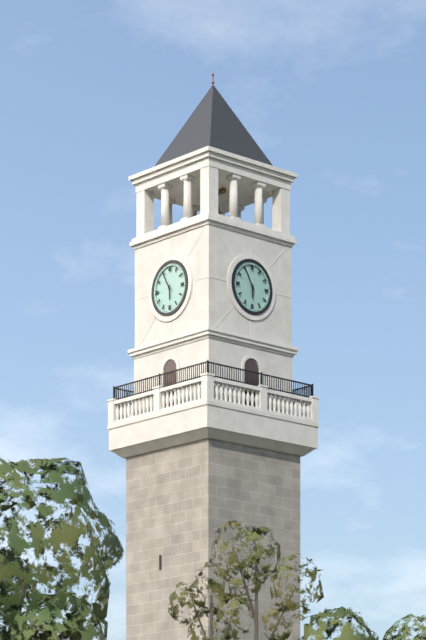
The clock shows 5.55
